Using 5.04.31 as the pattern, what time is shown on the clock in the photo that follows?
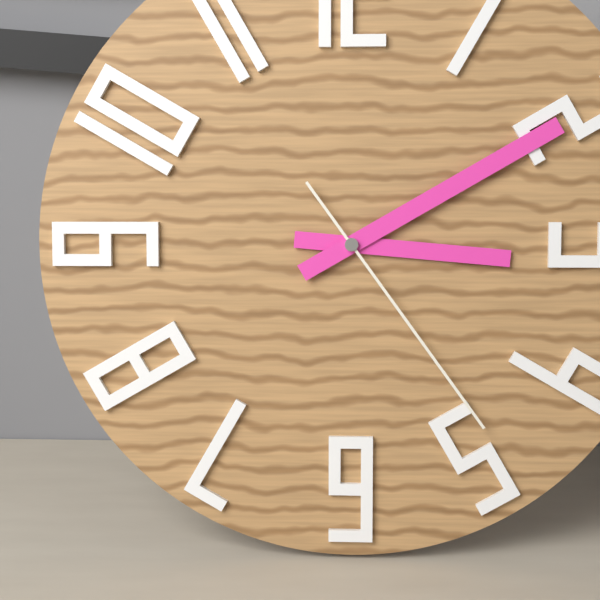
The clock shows 3.10.24
